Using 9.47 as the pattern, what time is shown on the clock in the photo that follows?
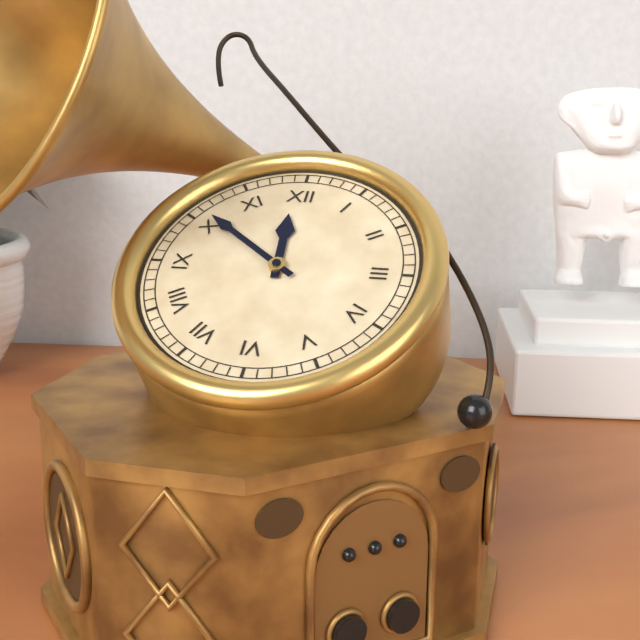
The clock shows 11.51
